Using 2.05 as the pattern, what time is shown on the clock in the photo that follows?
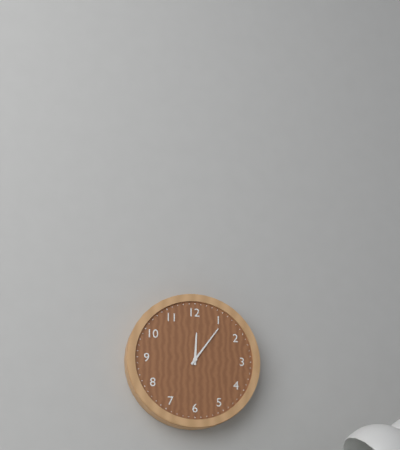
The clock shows 12.06
